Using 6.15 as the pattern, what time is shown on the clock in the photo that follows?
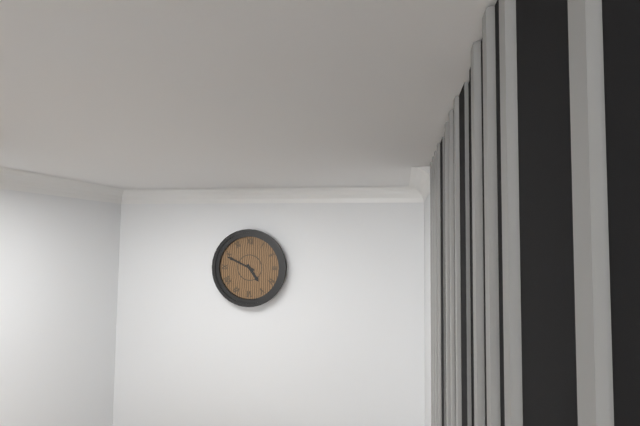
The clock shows 4.49
